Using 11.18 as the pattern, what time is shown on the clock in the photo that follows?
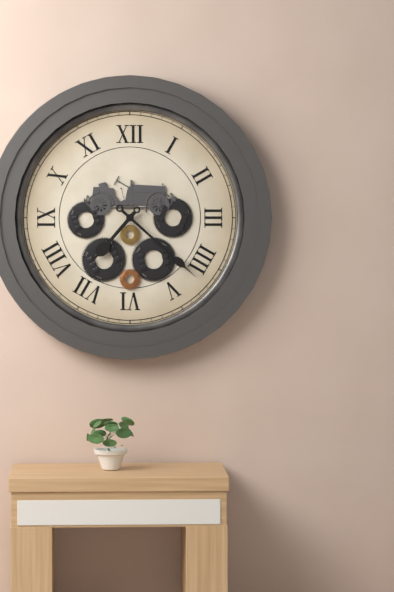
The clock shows 7.22
